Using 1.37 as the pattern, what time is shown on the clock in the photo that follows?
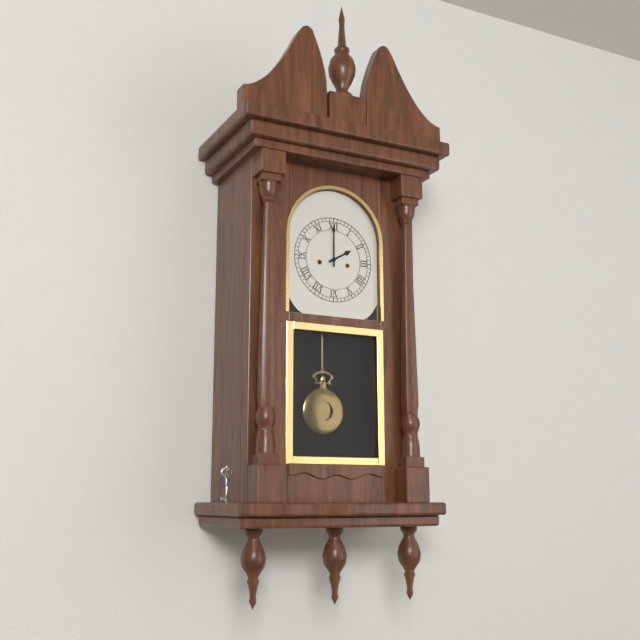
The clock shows 2.00
